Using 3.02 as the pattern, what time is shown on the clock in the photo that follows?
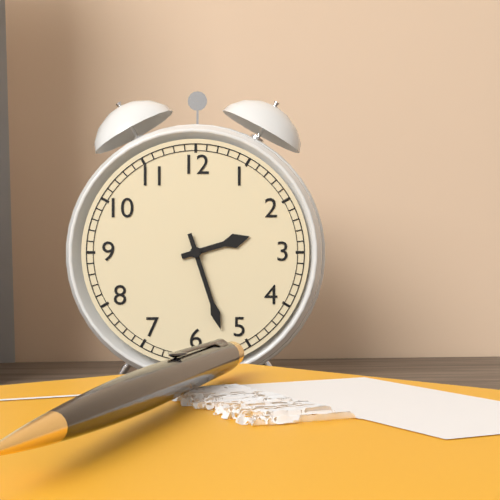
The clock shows 2.27
